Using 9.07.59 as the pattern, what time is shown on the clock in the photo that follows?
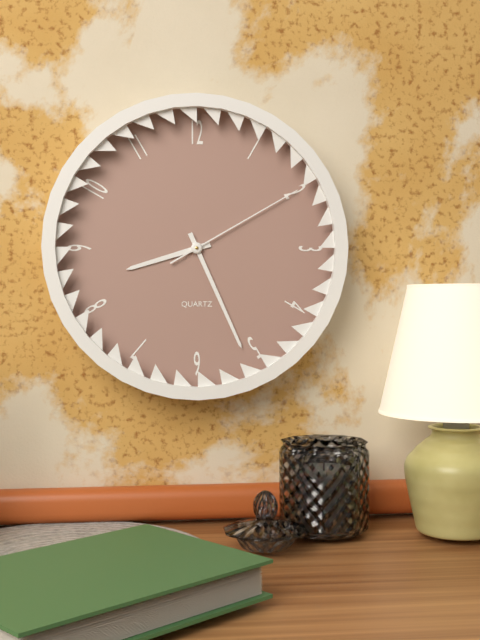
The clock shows 8.26.10
